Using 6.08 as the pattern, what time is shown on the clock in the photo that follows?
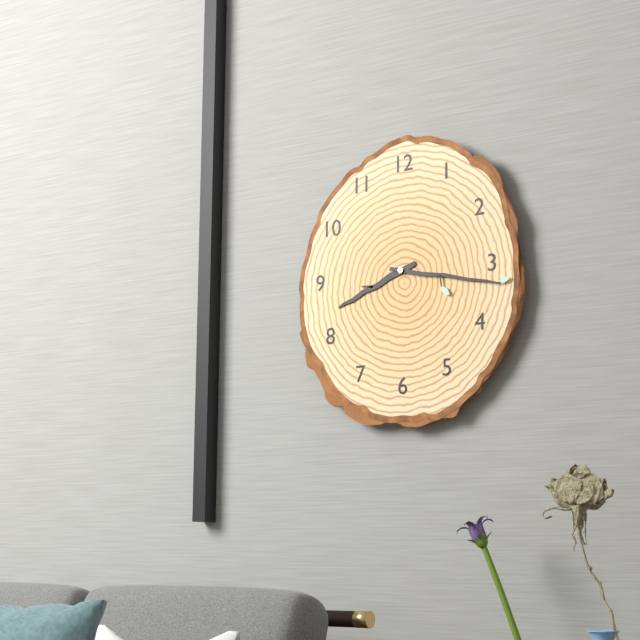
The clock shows 8.17
